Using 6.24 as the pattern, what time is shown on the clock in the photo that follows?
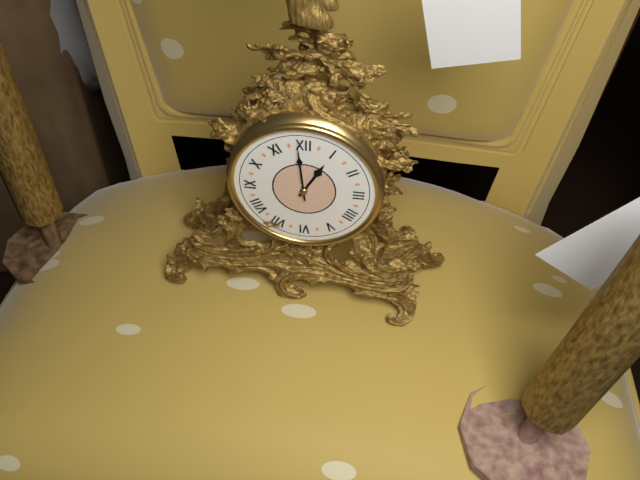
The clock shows 12.59
